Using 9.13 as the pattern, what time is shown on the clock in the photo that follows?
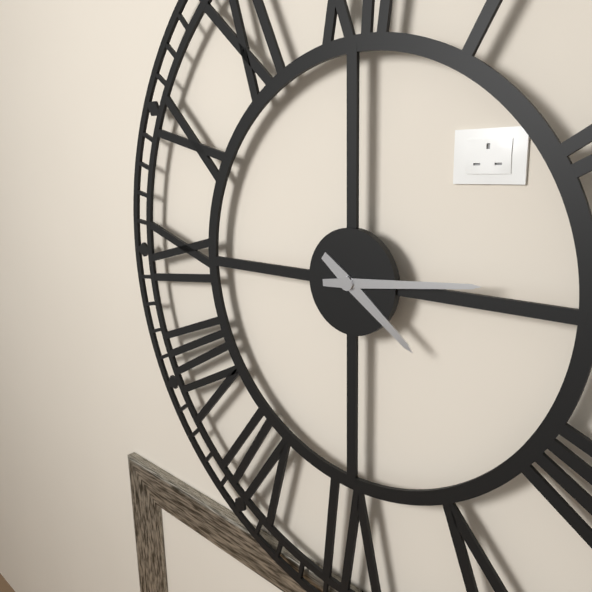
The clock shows 4.14
